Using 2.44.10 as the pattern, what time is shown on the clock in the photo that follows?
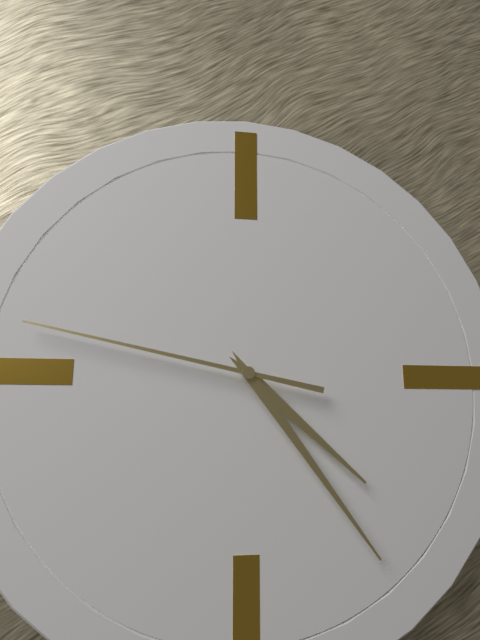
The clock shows 4.24.47
